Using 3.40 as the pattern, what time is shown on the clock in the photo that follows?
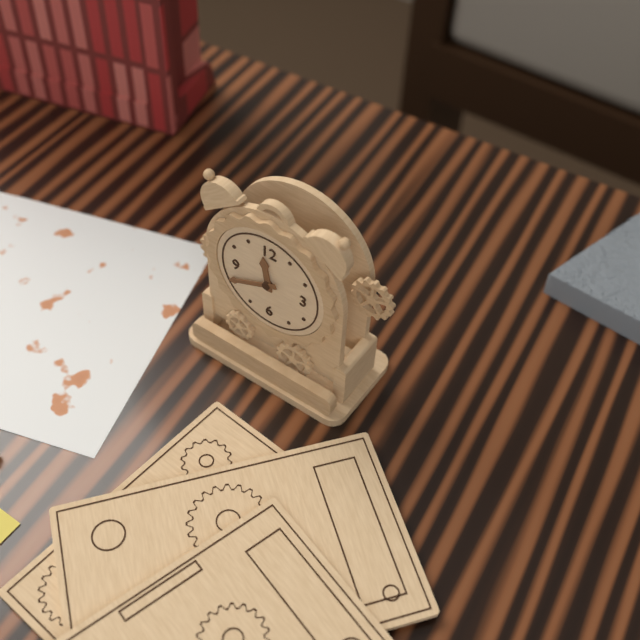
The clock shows 11.41
